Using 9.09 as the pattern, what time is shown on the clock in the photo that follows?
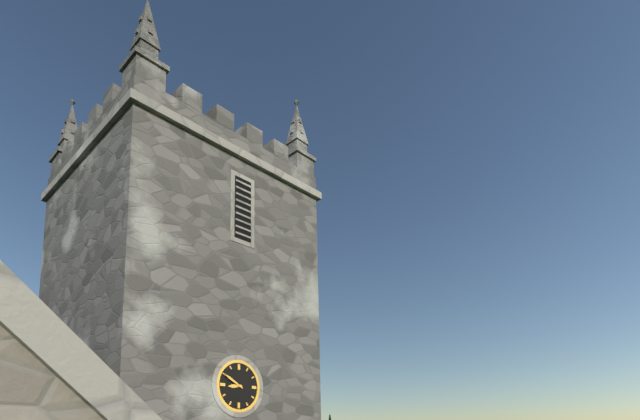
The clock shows 8.50
